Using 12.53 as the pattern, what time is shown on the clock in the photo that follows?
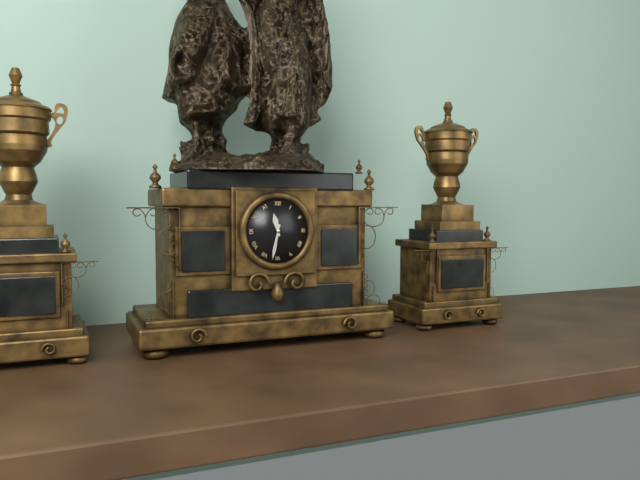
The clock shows 11.32
